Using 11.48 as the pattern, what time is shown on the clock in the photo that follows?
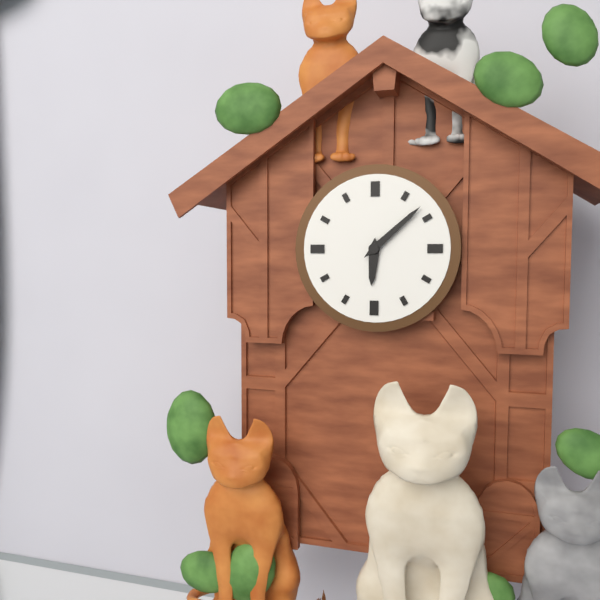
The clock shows 6.08
